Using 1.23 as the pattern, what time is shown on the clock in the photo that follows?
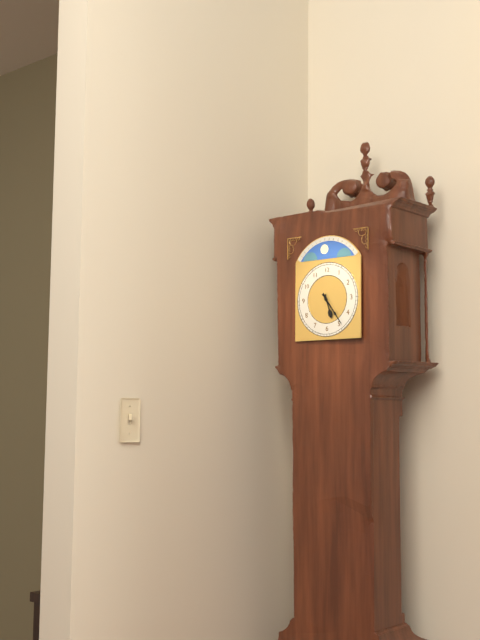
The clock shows 5.24
